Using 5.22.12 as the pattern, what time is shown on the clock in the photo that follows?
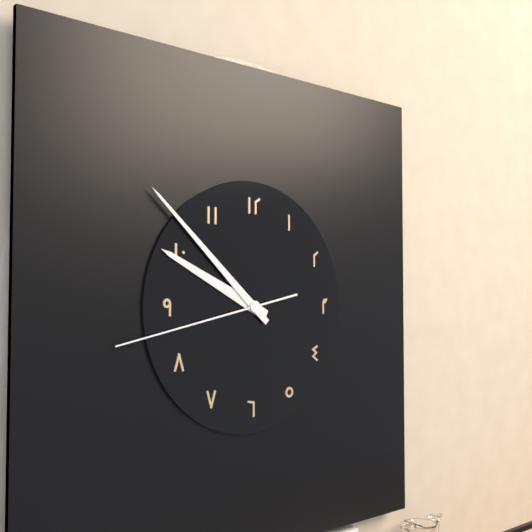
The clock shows 9.52.43
